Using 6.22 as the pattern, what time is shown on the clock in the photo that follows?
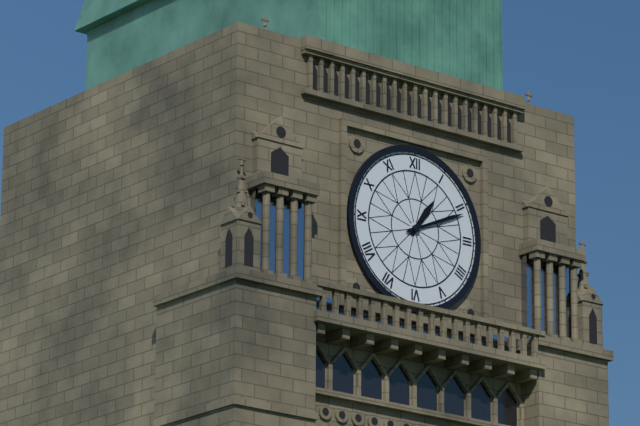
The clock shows 1.11
